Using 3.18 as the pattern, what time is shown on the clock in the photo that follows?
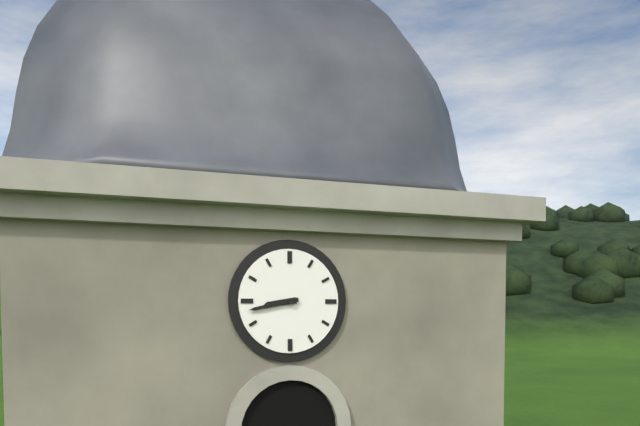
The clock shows 8.43
